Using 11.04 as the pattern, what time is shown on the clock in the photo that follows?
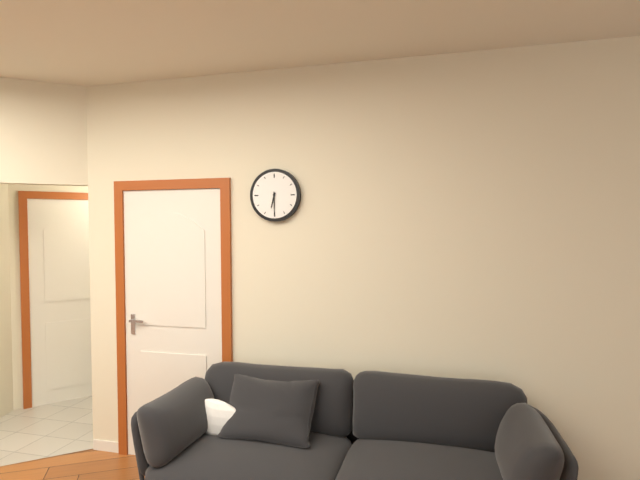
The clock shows 6.30
